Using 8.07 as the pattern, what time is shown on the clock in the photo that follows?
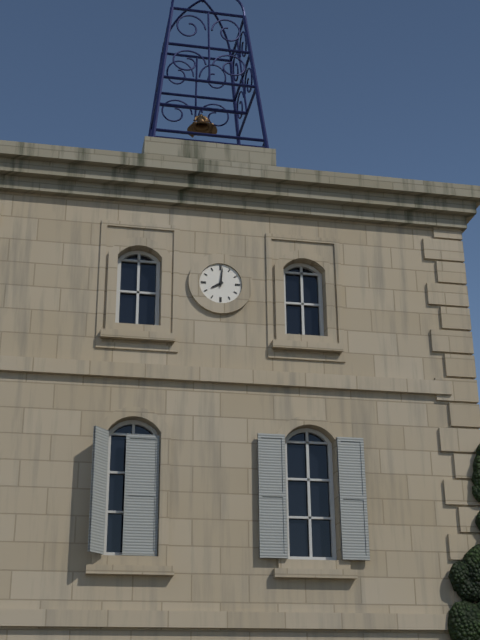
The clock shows 8.01
